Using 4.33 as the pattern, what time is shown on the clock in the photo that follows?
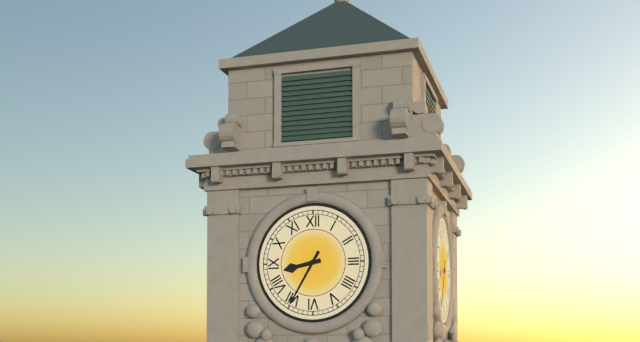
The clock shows 8.35
